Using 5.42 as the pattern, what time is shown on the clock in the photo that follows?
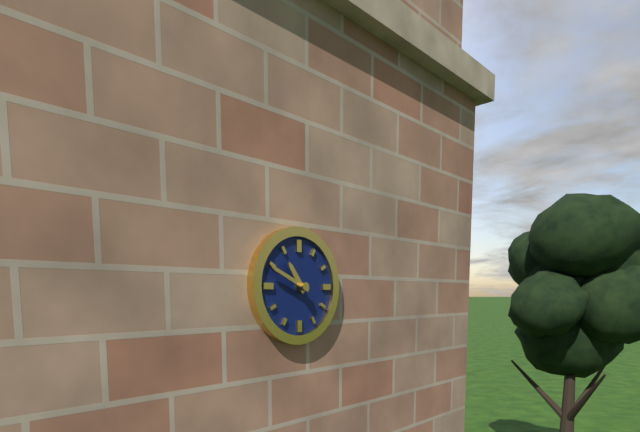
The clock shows 10.49
